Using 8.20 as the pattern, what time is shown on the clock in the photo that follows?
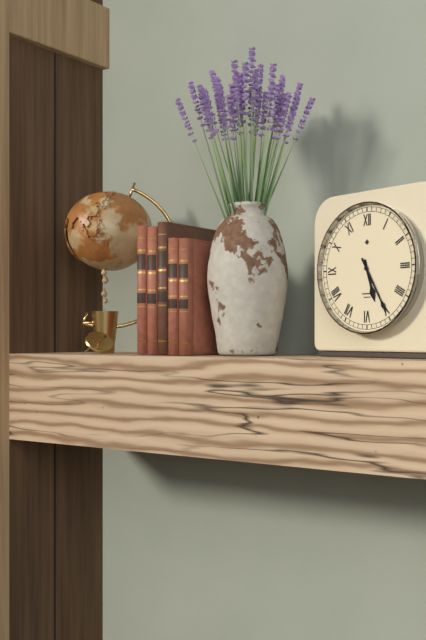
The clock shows 5.25
